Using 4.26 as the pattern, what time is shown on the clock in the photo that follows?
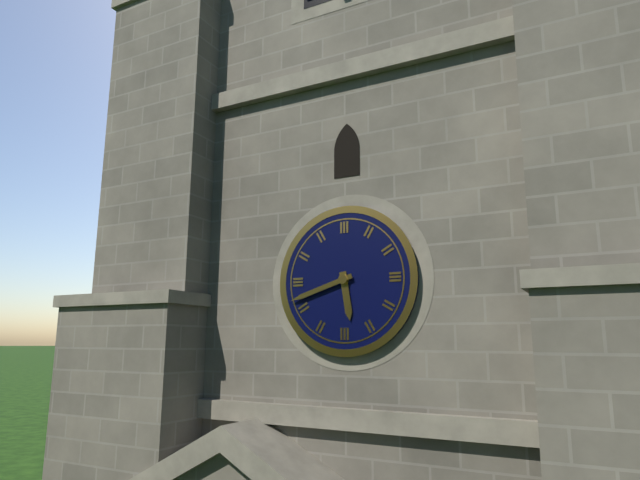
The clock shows 5.42
